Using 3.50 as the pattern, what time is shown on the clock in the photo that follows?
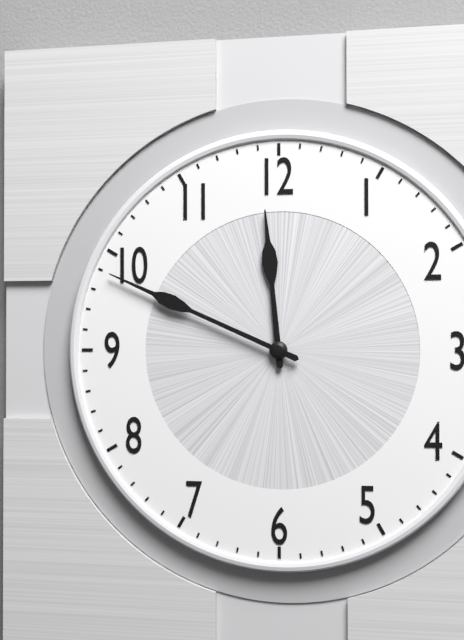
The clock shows 11.49
